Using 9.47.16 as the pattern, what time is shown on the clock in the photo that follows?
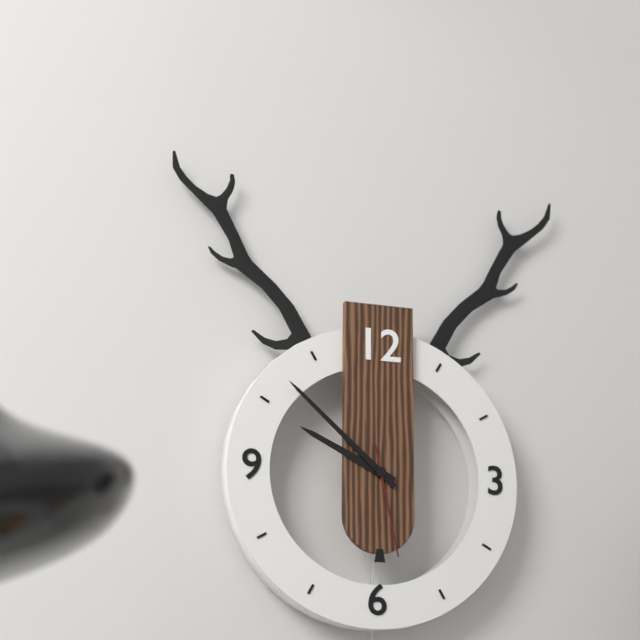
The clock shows 9.52.28
